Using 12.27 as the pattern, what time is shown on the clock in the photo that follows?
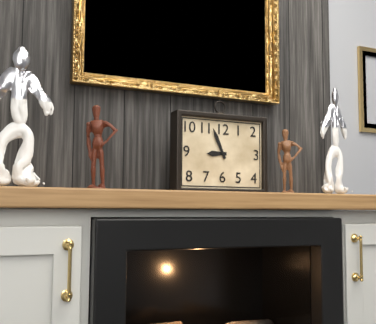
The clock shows 8.56
